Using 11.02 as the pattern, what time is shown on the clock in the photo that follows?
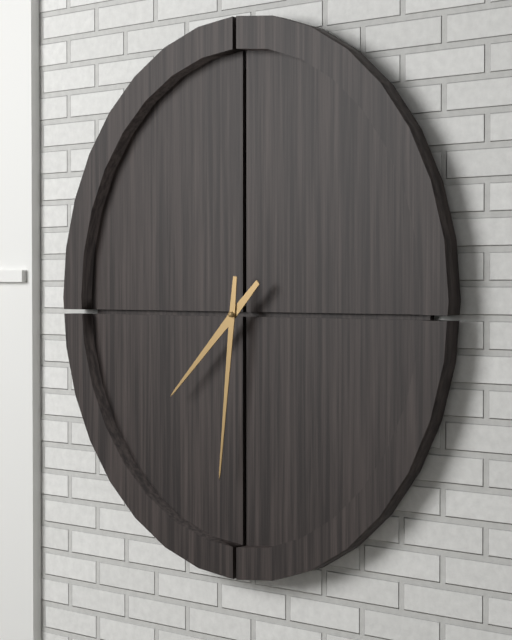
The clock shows 7.31
